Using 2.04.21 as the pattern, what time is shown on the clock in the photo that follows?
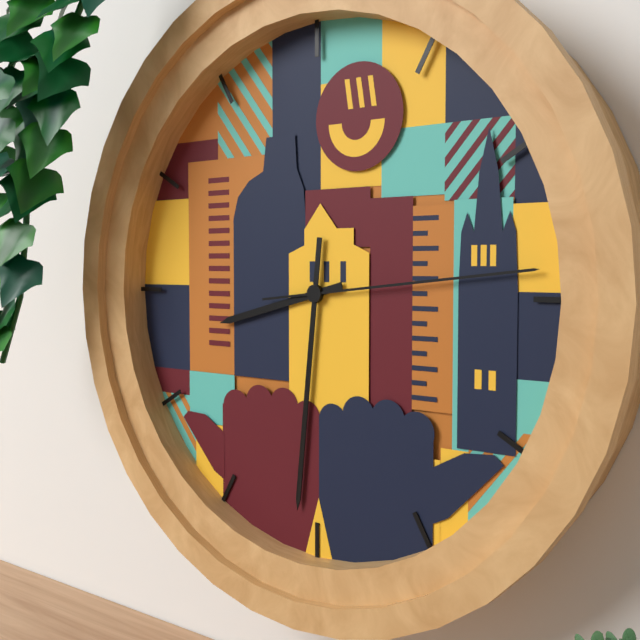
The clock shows 8.31.14
